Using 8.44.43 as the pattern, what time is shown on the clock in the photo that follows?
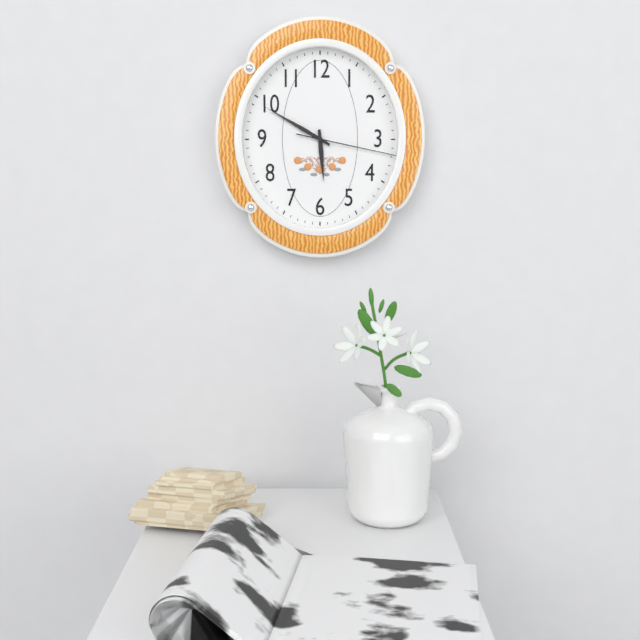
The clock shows 5.50.17
